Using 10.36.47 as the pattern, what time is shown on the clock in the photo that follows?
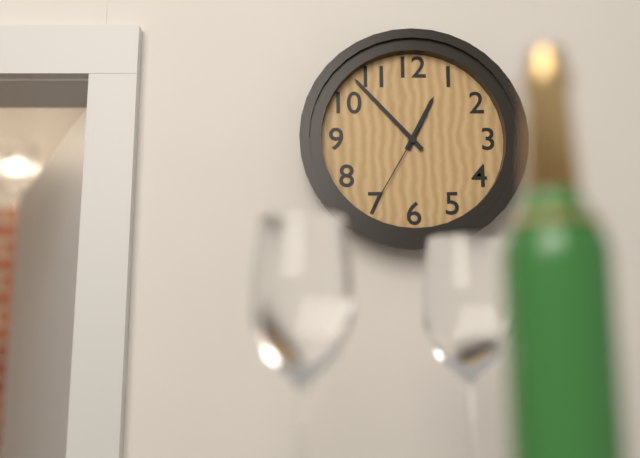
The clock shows 12.53.35
